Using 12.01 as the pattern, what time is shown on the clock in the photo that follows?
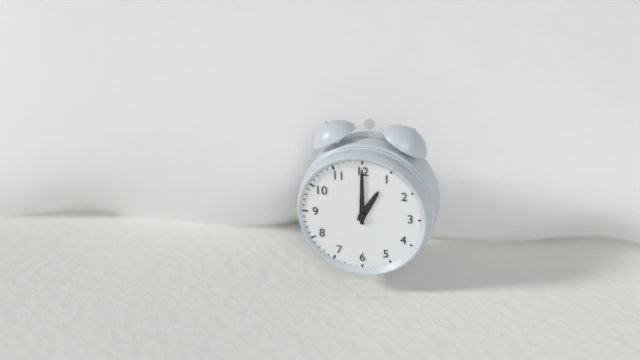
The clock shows 1.00
